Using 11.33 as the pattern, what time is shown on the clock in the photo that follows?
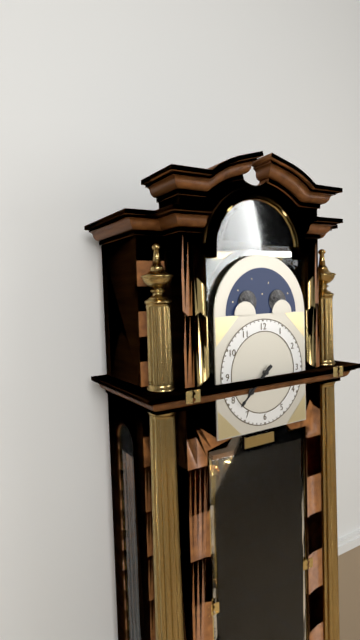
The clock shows 7.38
